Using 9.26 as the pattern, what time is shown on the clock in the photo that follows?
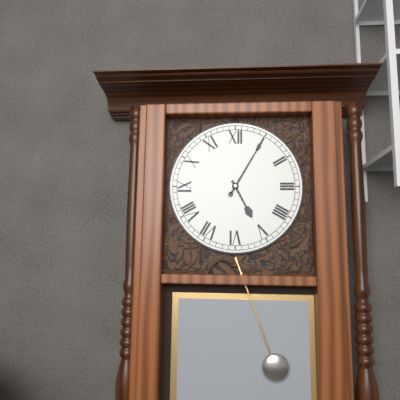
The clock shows 5.05
